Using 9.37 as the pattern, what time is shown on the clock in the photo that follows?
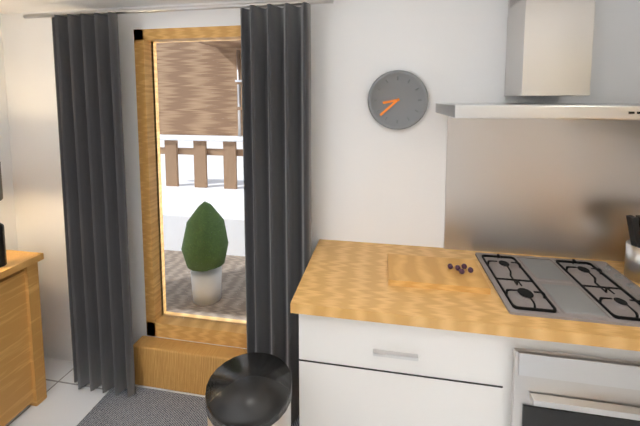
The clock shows 8.38
